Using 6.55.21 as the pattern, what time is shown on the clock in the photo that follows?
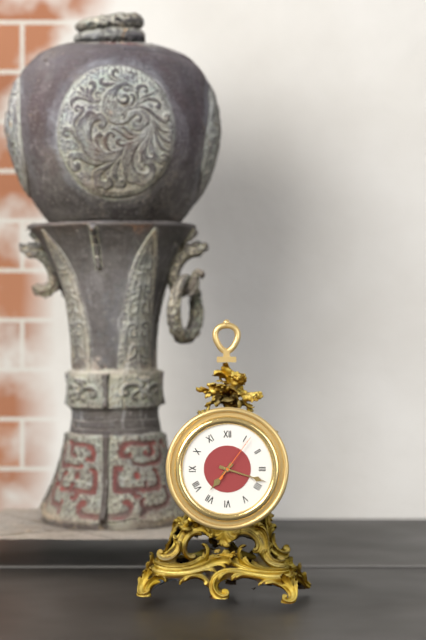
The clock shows 7.18.06
